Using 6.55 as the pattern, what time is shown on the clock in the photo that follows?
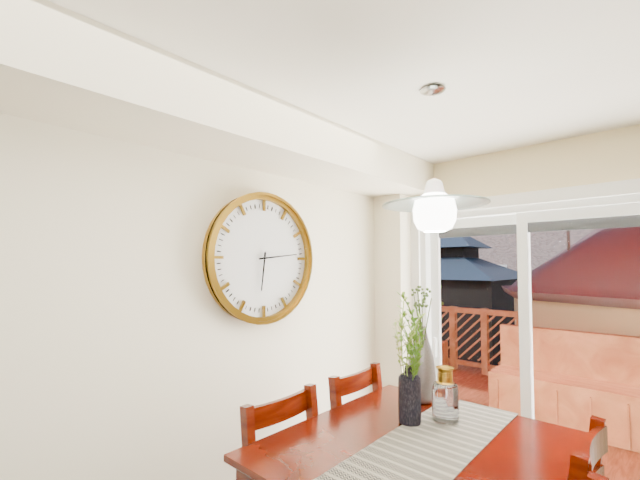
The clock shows 6.14
